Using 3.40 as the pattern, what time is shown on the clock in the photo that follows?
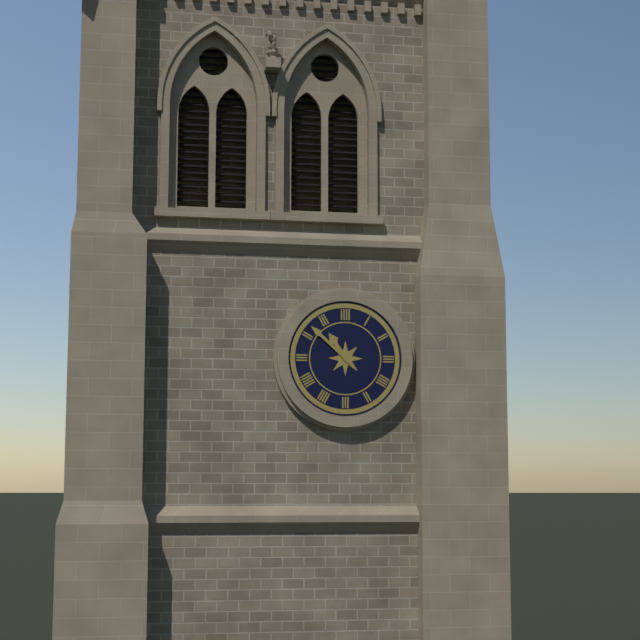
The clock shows 10.52
